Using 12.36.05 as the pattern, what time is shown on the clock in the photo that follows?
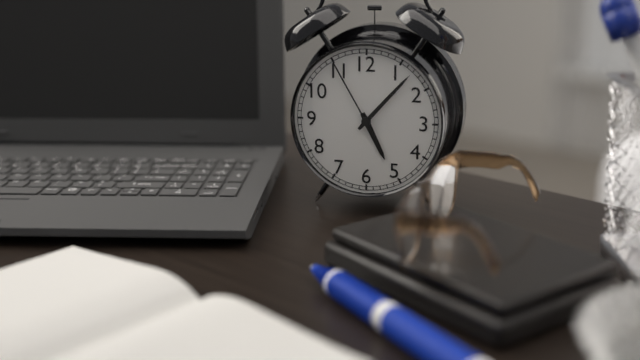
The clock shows 5.07.55
